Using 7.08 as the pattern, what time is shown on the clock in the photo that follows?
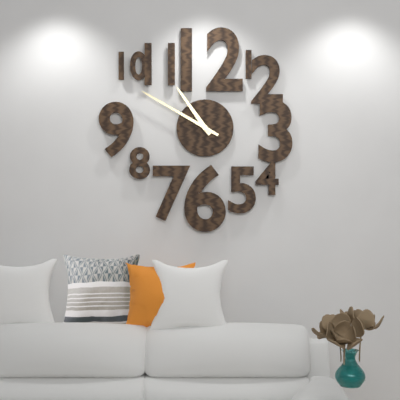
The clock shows 10.50
